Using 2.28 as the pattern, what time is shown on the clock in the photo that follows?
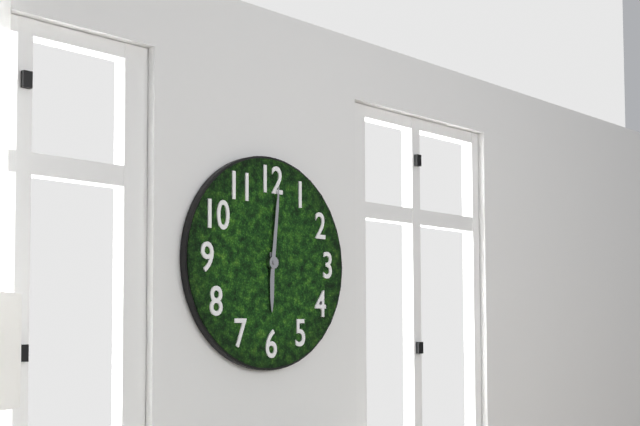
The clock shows 6.01
